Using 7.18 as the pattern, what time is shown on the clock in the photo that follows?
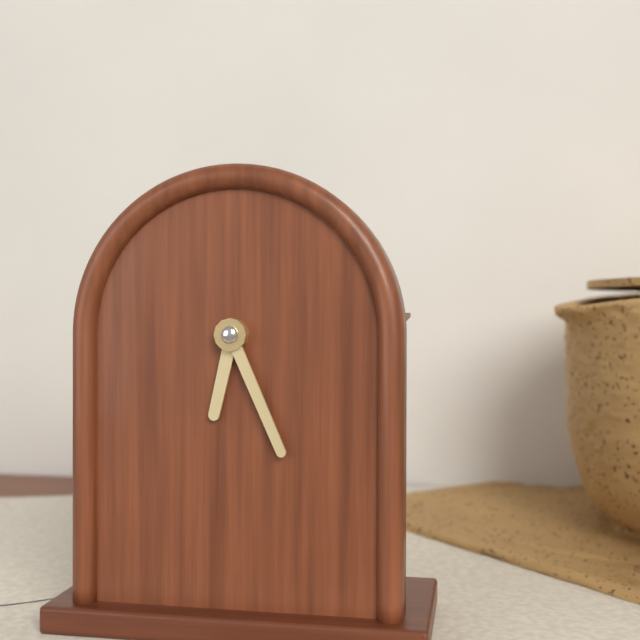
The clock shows 6.26
